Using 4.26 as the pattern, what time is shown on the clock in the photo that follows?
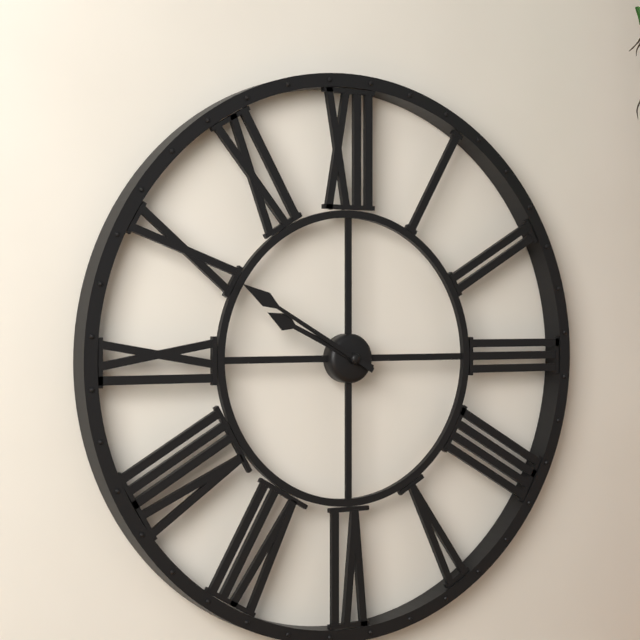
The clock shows 9.50
